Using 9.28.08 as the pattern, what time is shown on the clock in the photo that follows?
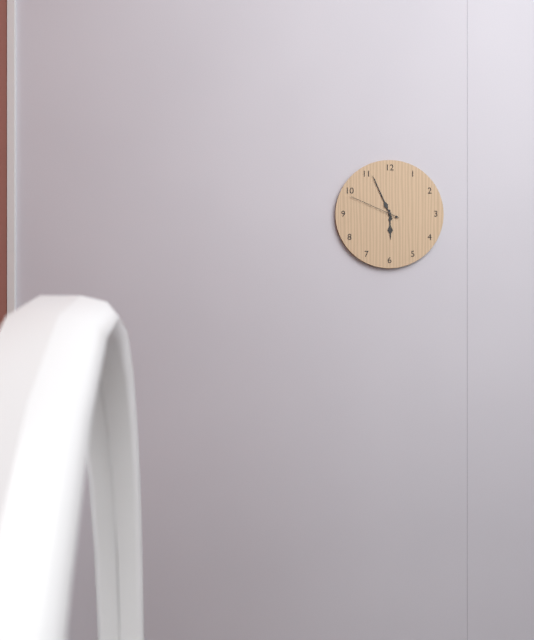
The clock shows 5.56.49
